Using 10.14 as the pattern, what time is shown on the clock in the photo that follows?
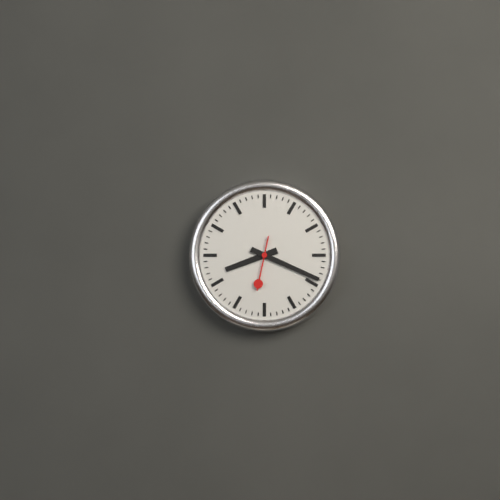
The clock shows 8.19
